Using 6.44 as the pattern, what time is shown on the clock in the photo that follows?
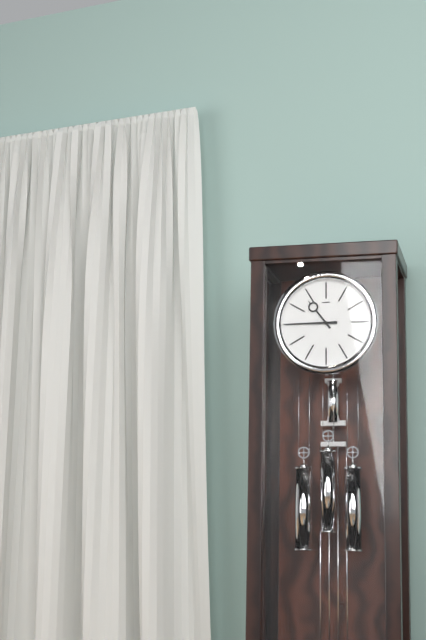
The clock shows 10.45
